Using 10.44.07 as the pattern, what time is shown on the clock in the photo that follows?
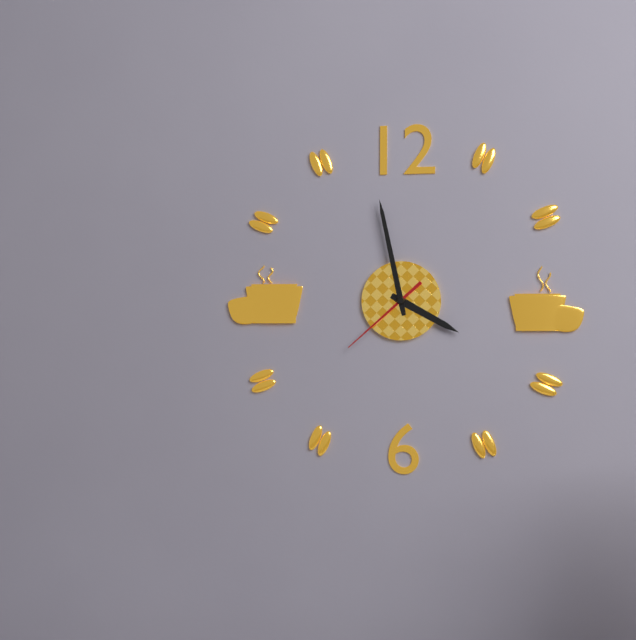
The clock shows 3.58.38
